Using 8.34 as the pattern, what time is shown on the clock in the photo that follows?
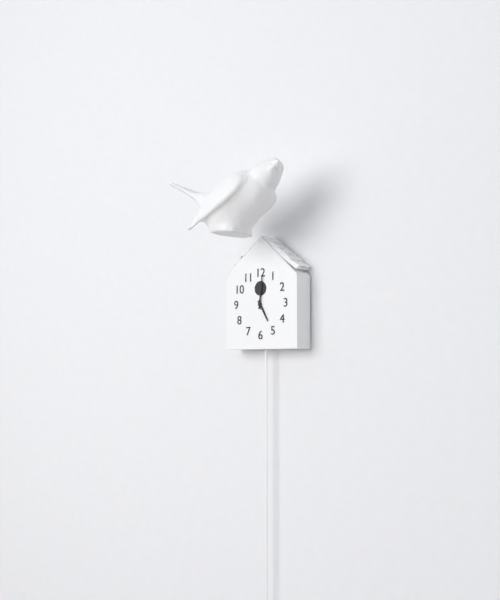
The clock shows 5.01
